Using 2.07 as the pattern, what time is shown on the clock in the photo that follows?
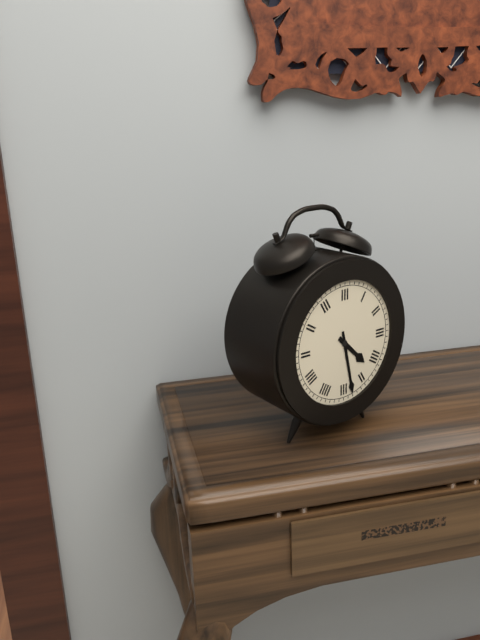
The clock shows 4.28
